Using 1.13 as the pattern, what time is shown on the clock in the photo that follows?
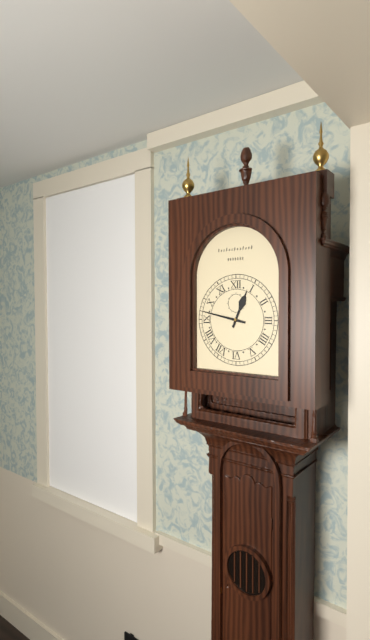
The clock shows 12.47
